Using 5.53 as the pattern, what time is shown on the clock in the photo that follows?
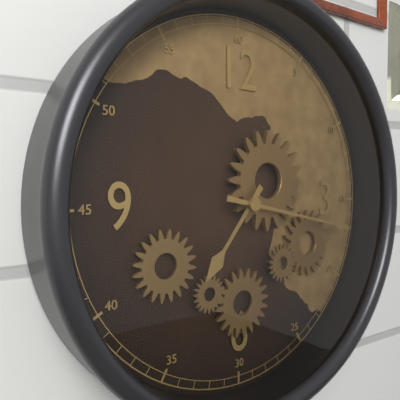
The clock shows 7.17
